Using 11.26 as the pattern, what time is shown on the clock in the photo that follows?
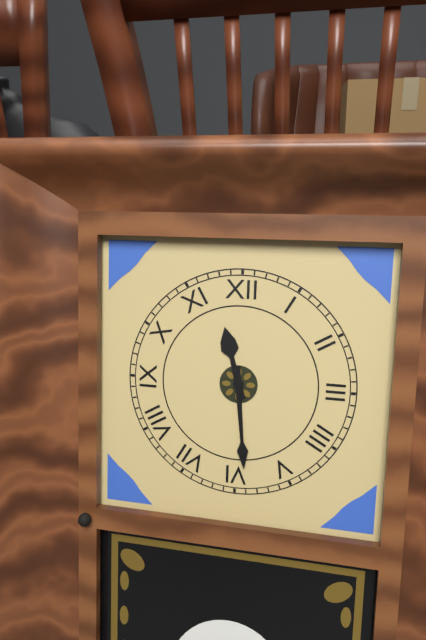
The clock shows 11.29
